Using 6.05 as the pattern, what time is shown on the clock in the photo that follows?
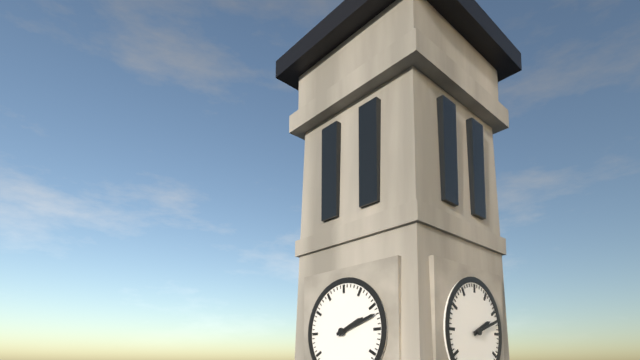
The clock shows 2.12
